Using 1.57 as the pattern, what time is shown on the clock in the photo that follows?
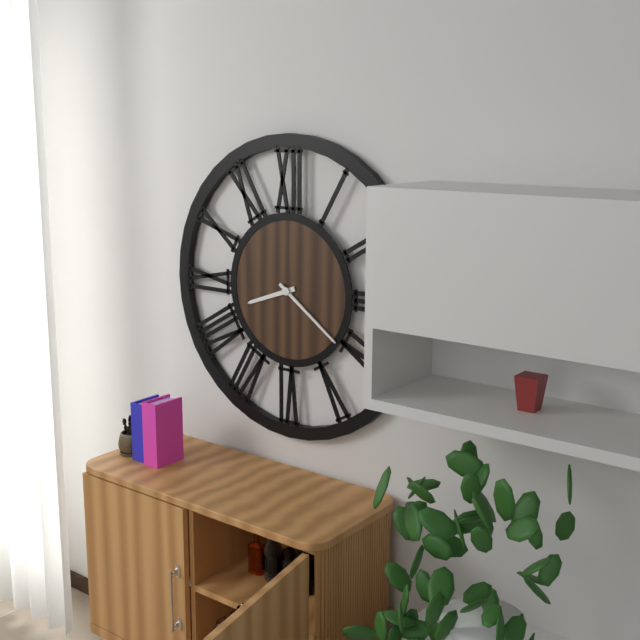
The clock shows 8.21
